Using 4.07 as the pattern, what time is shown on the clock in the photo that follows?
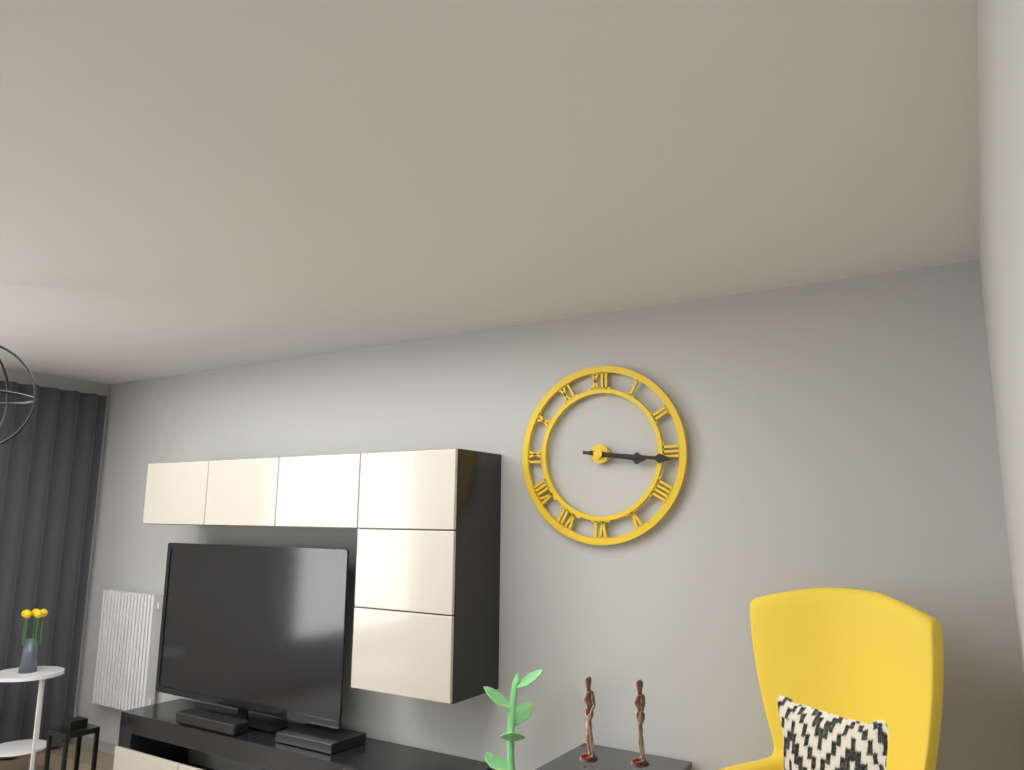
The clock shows 3.16
